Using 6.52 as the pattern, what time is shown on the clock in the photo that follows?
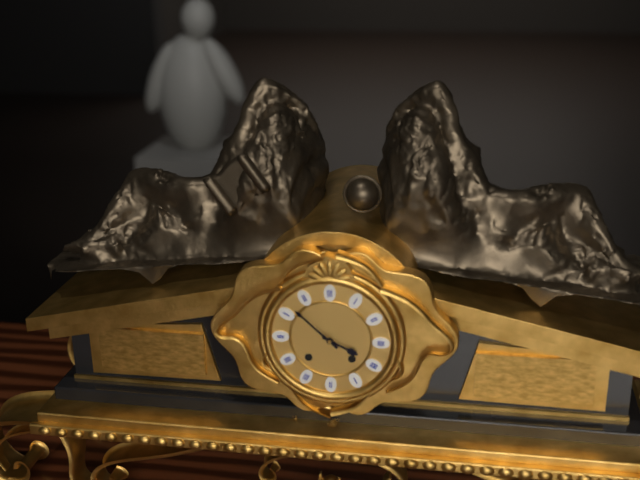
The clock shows 3.52
